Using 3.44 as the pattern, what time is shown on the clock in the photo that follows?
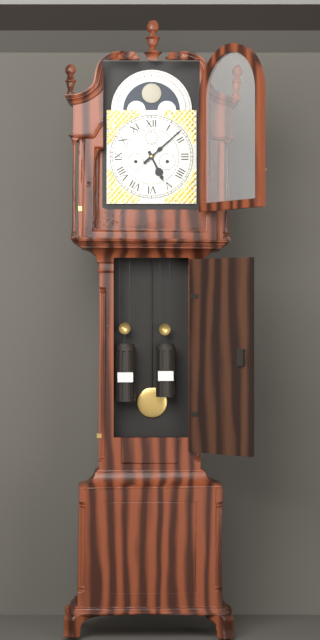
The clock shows 5.08
